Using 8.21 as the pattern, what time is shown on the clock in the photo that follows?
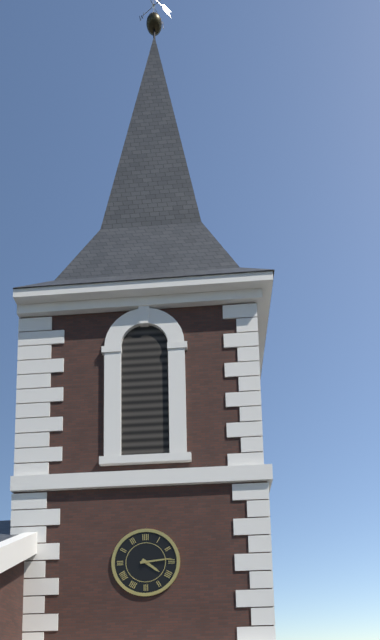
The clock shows 4.14
